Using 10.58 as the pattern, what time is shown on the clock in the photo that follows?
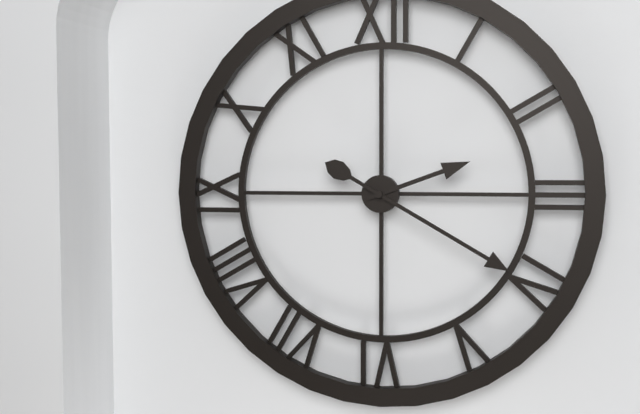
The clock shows 2.20
